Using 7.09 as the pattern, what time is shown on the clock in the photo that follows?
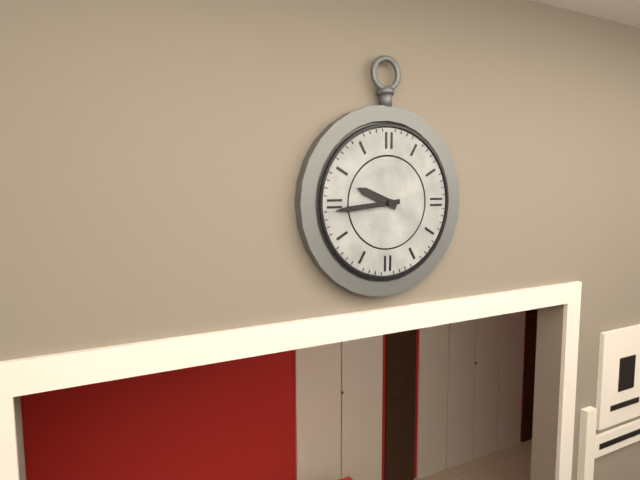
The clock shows 9.44
